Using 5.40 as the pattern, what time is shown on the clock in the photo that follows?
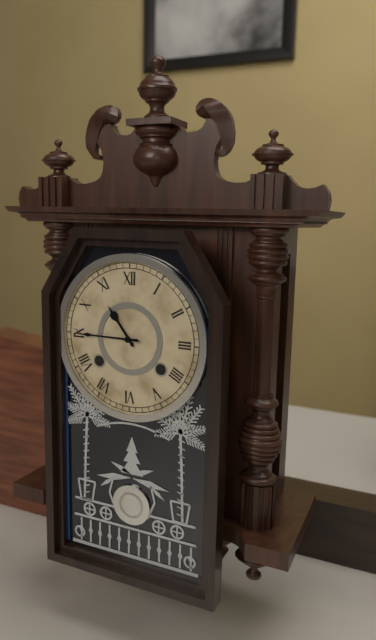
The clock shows 10.45
